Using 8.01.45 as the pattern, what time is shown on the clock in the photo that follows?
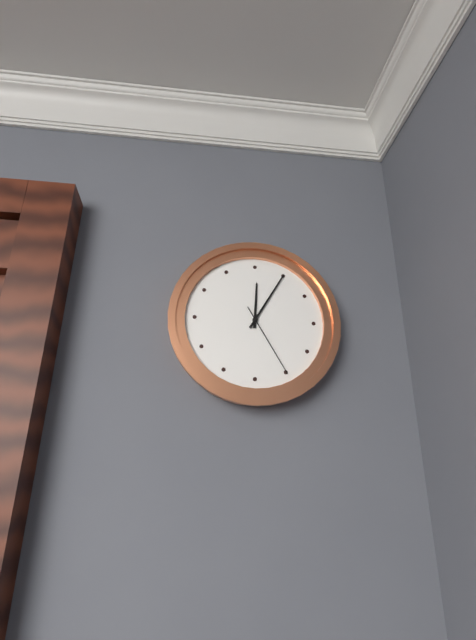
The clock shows 12.05.25
